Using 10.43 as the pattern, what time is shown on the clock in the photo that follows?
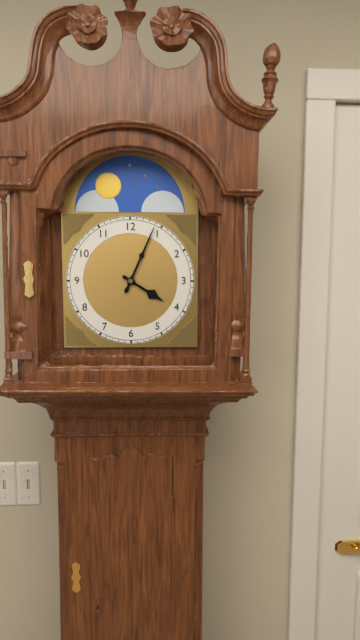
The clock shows 4.04
